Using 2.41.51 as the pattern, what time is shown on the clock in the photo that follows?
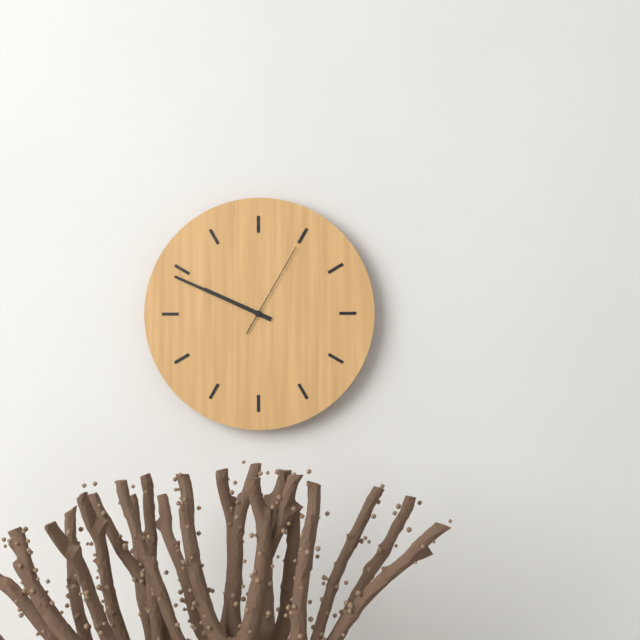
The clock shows 9.49.05
